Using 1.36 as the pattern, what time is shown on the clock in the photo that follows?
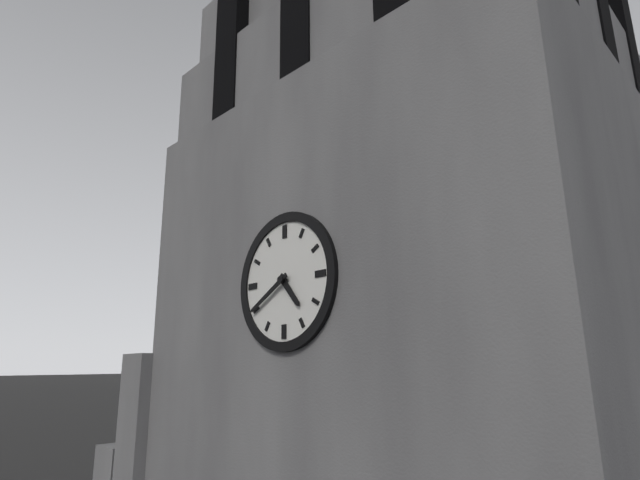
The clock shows 4.40
